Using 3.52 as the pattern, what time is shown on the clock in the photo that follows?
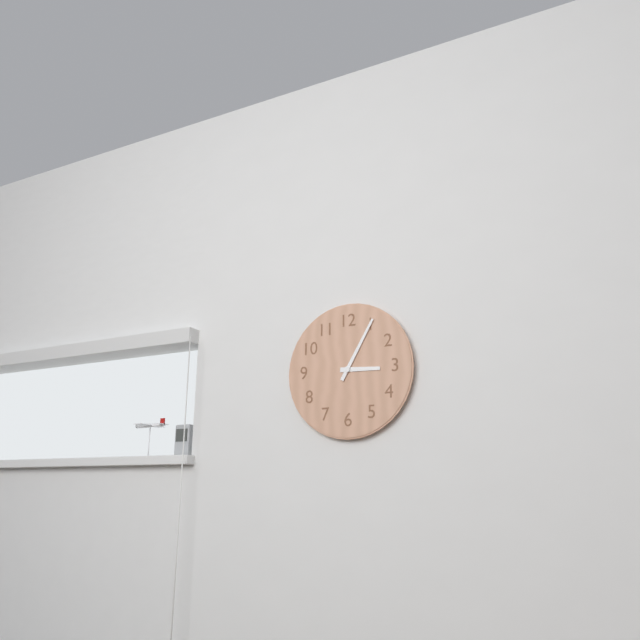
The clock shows 3.05
